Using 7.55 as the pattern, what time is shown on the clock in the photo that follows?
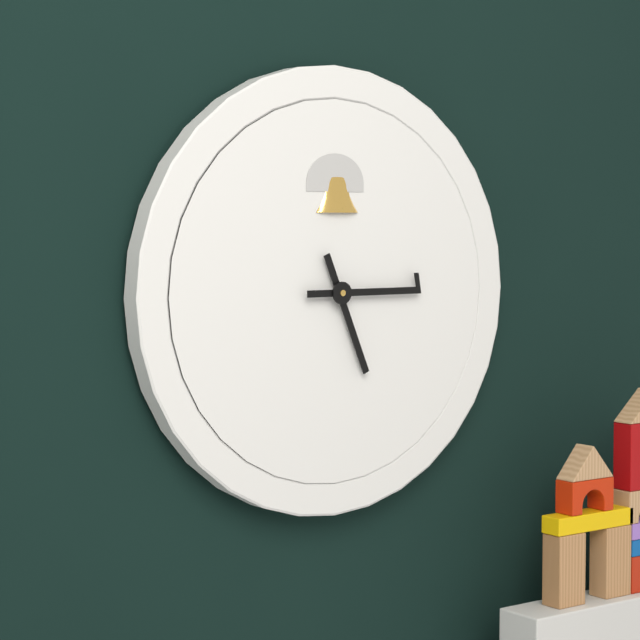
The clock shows 5.15
